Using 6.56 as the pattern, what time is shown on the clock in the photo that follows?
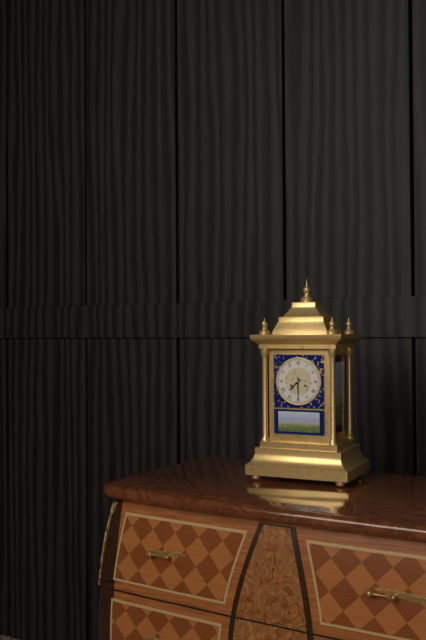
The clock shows 7.30
